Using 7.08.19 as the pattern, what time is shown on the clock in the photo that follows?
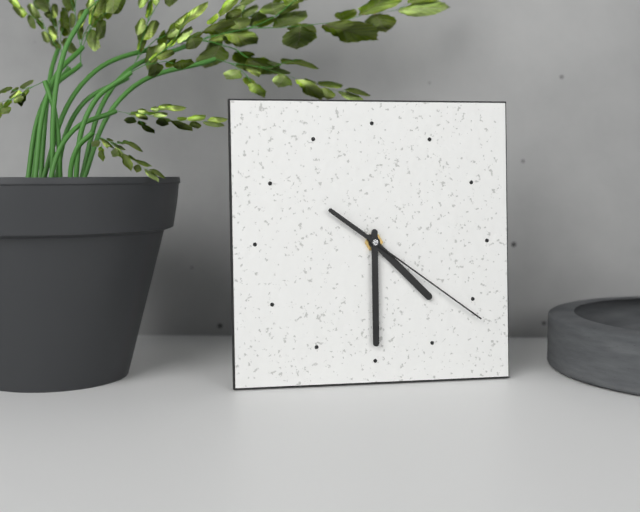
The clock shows 4.30.21
